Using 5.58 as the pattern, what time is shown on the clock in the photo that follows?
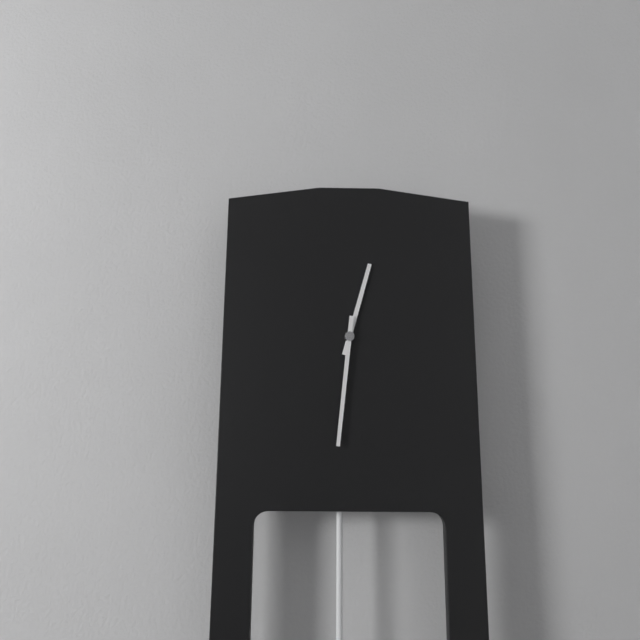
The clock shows 12.31
